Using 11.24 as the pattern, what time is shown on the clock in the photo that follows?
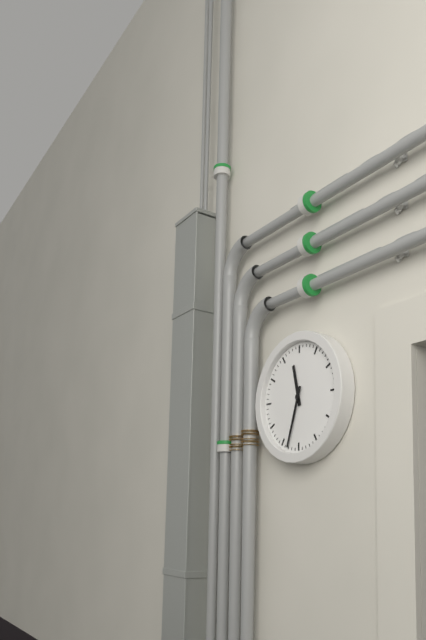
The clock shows 11.33
